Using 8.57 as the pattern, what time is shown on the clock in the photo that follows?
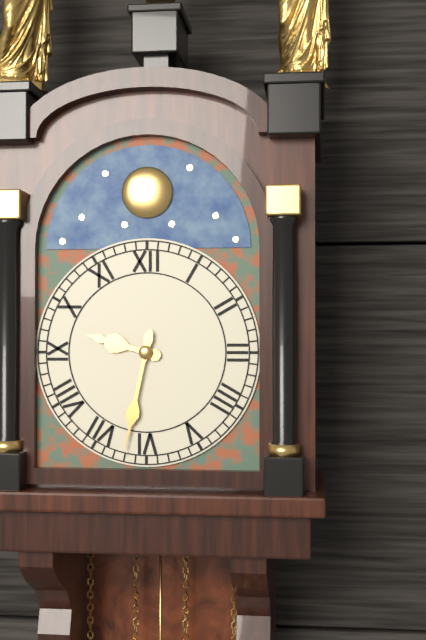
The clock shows 9.32
